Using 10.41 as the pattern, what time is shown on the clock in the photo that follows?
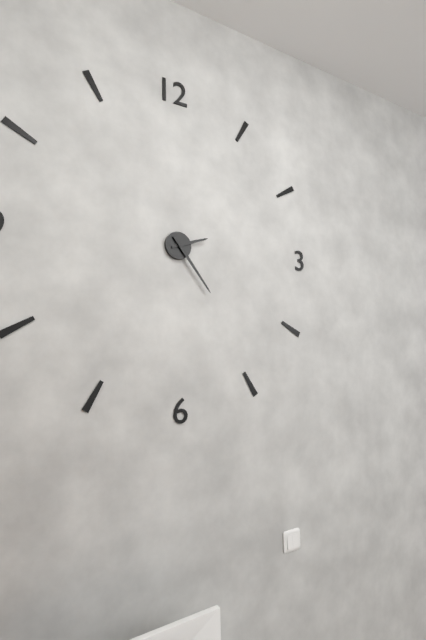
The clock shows 2.24
